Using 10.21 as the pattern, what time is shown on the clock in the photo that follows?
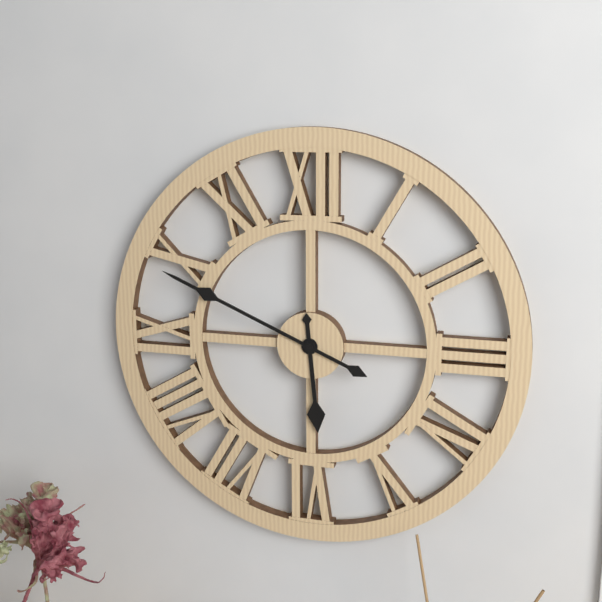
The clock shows 5.49
